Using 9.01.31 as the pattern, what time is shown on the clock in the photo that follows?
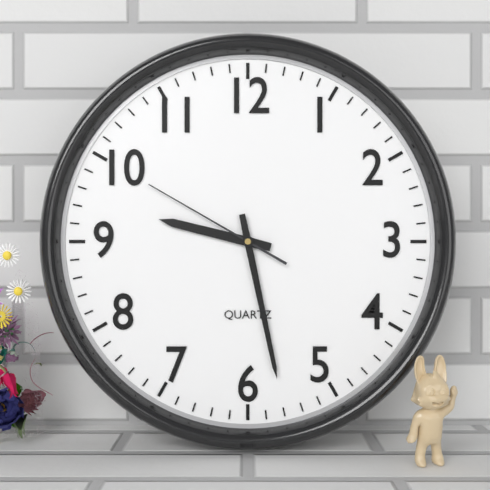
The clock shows 9.28.50
